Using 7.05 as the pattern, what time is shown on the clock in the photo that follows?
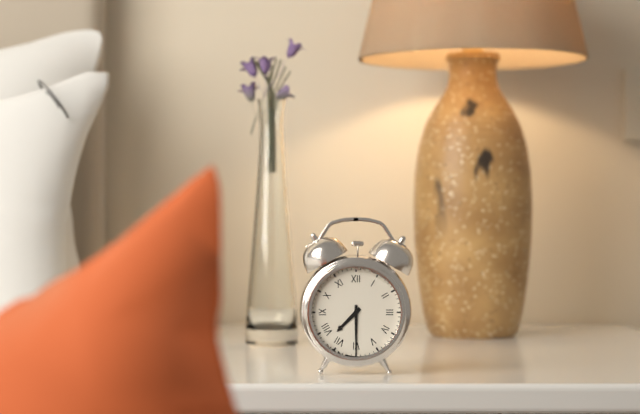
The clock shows 7.30
